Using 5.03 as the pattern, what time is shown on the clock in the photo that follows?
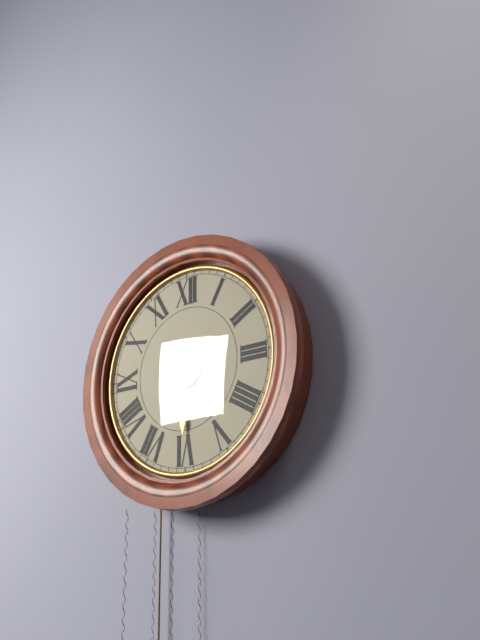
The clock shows 2.30
